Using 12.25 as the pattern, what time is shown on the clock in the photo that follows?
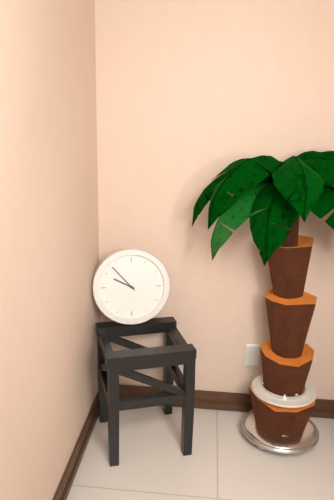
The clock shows 9.53
